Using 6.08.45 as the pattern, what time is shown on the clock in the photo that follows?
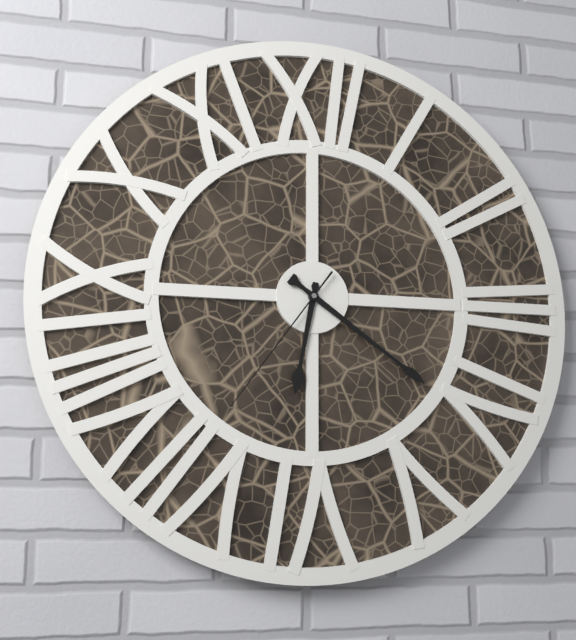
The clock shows 6.21.36
